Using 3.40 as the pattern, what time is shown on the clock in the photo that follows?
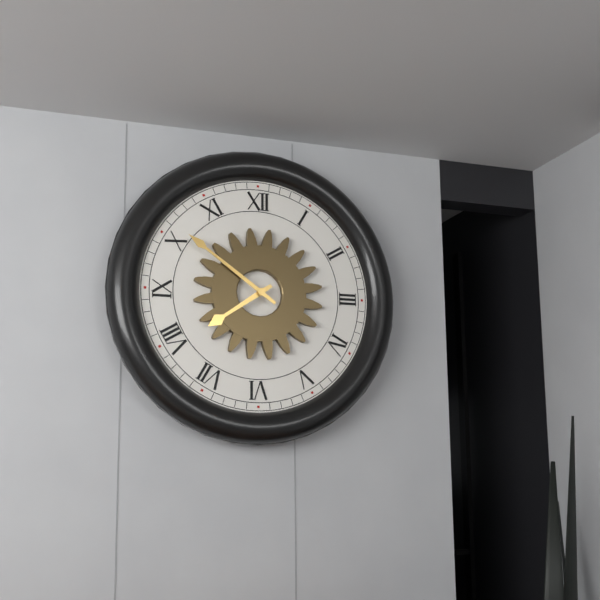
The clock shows 7.51
